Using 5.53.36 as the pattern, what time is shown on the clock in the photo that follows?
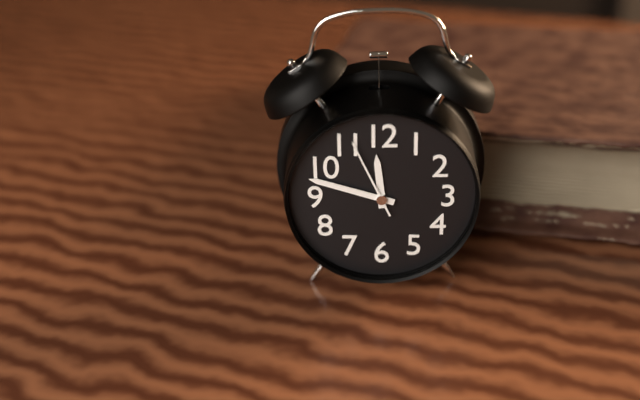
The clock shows 11.48.56
